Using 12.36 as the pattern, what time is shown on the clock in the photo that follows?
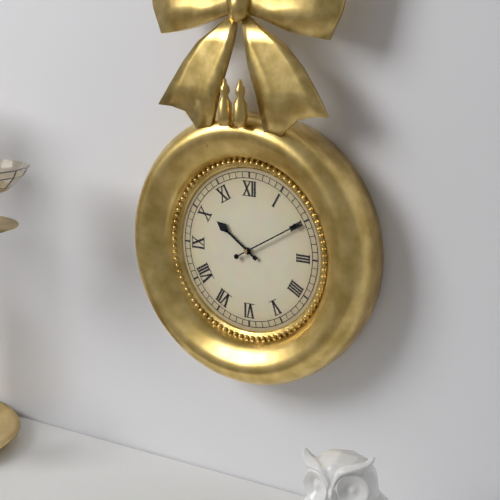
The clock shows 10.10
